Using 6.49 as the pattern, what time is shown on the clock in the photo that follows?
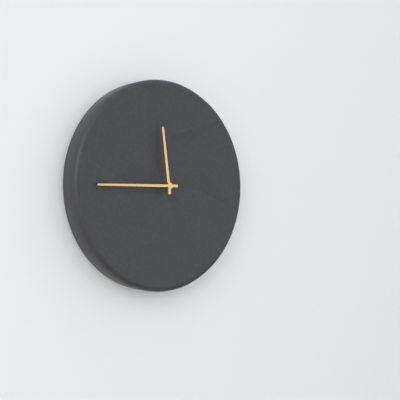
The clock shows 11.45
